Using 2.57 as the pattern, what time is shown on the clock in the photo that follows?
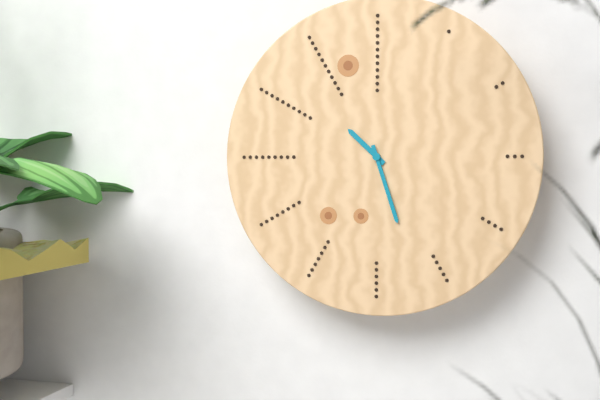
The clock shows 10.27
